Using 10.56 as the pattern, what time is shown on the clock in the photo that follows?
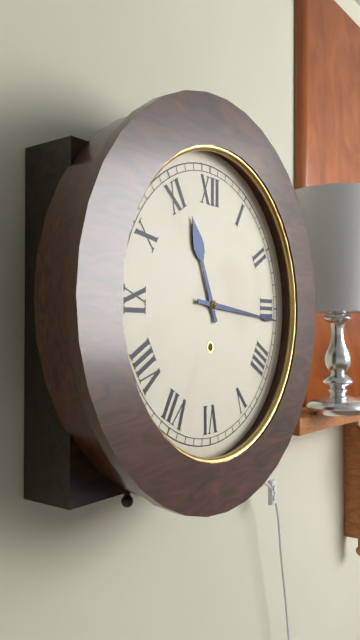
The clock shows 11.16
